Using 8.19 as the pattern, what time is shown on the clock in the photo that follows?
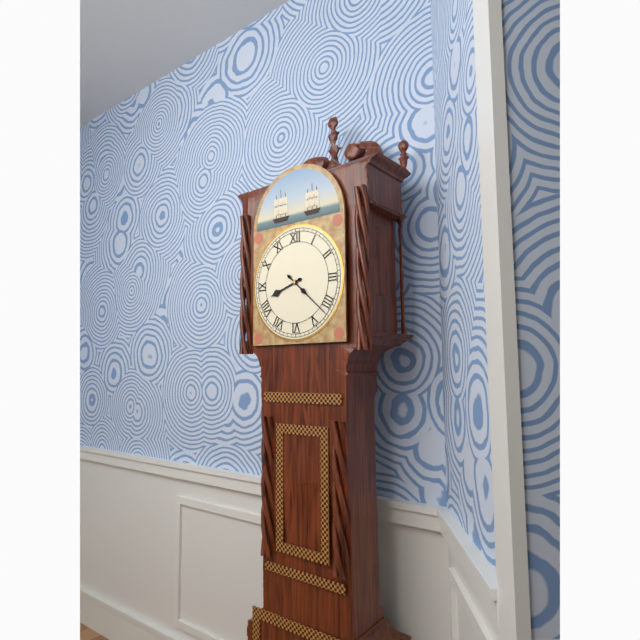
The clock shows 8.22
